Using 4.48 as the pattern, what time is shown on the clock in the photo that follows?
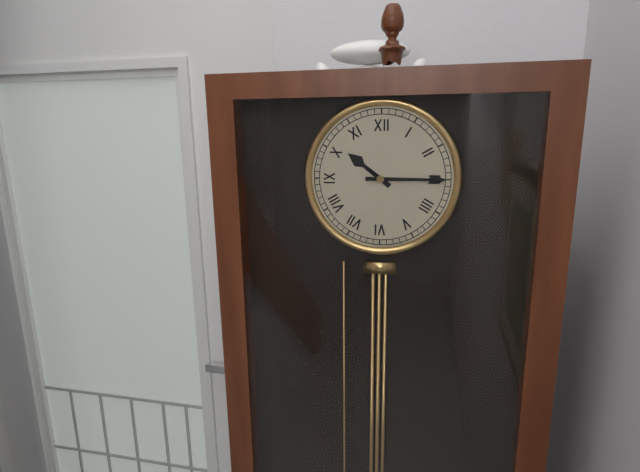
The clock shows 10.15
